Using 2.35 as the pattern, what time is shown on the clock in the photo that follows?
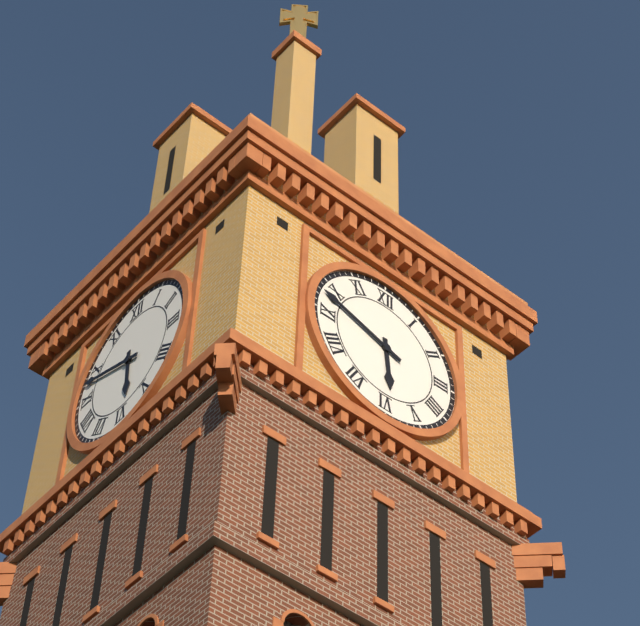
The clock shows 5.48
